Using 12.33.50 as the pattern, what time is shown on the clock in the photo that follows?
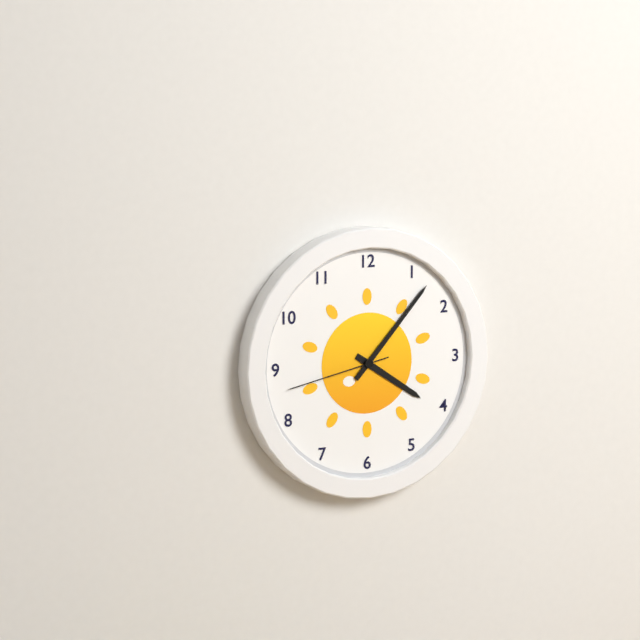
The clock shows 4.07.43
